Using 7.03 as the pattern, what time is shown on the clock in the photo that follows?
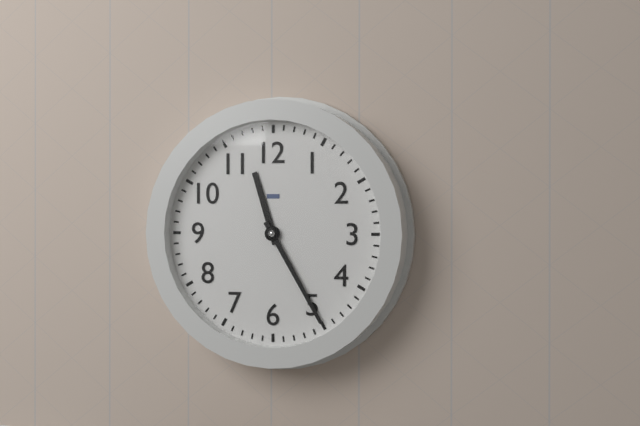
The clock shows 11.25
